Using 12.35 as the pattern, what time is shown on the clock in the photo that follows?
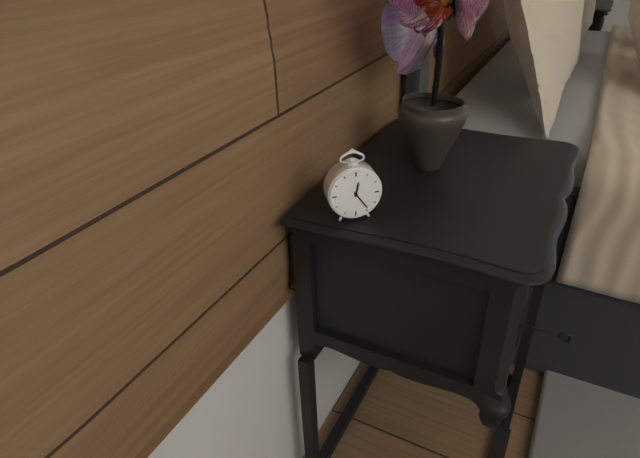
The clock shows 12.24
